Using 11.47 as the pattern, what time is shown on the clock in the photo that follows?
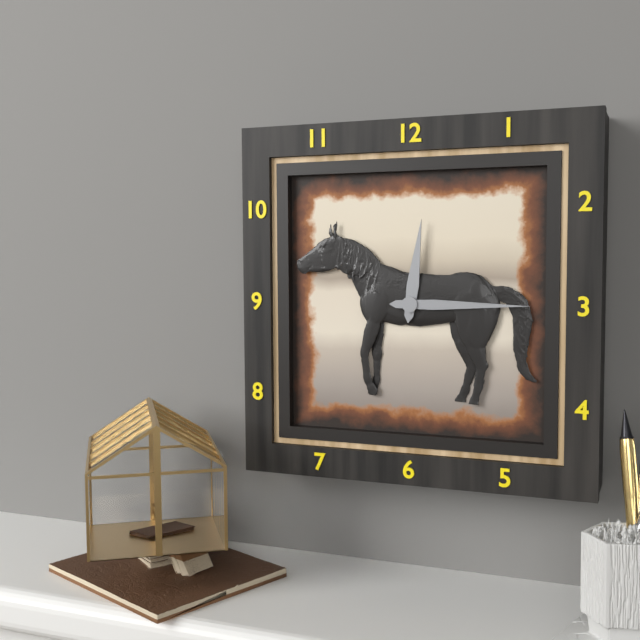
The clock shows 12.15
